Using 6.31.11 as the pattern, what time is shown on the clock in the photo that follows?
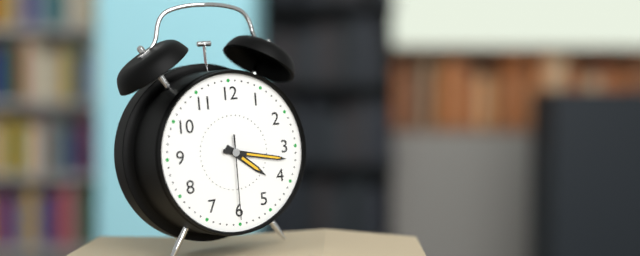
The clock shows 4.17.30
